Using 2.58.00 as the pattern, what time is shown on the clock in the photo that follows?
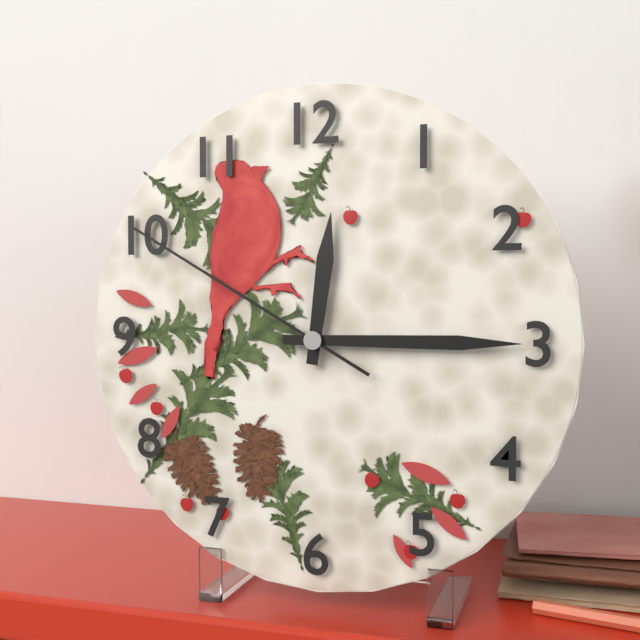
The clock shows 12.15.50
